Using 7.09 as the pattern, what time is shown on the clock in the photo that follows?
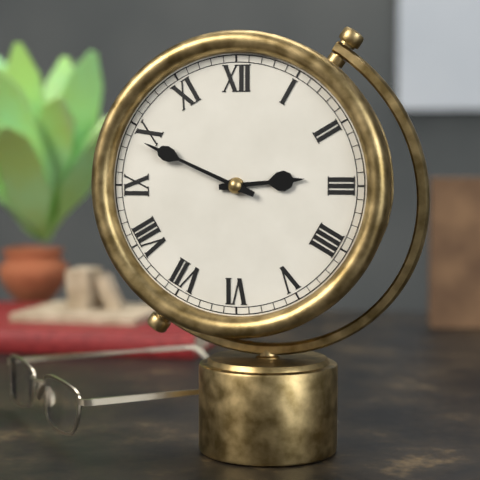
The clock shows 2.49
